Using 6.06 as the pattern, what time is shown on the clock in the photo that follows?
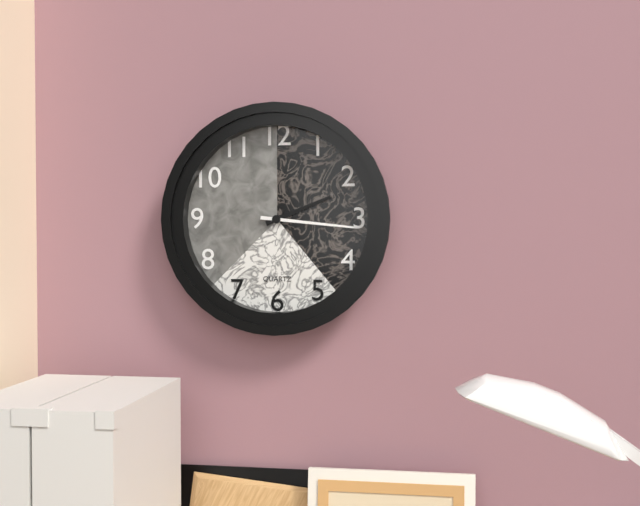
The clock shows 2.16
